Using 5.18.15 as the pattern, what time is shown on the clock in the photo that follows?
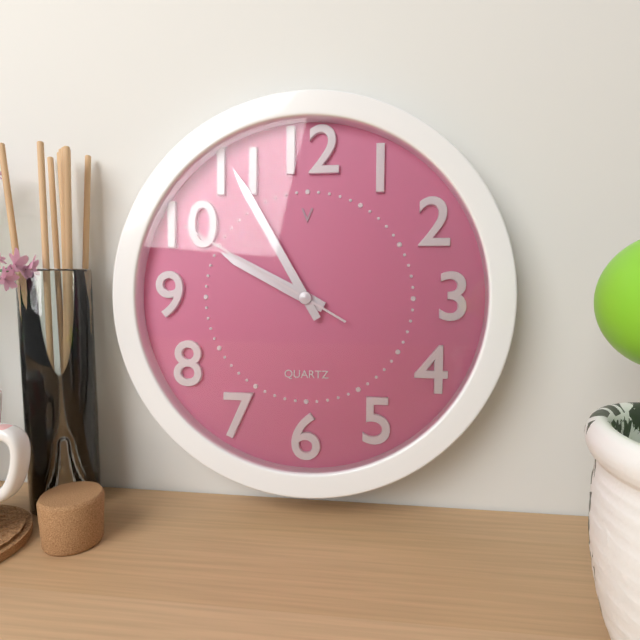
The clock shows 9.55.50
